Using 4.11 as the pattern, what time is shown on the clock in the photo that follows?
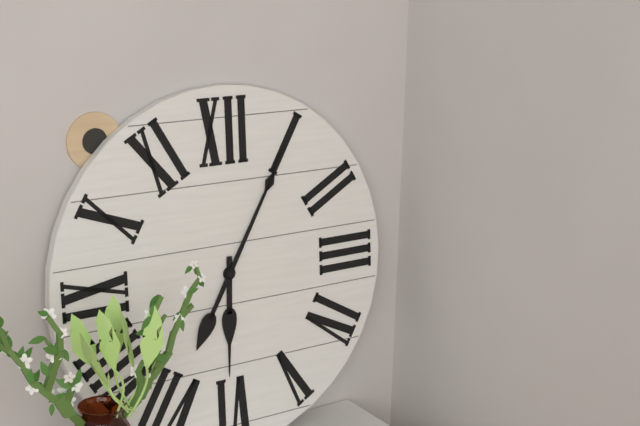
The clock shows 6.05
